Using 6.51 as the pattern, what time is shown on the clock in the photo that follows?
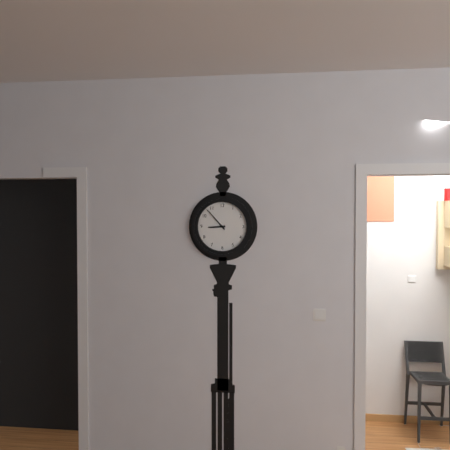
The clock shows 8.53
